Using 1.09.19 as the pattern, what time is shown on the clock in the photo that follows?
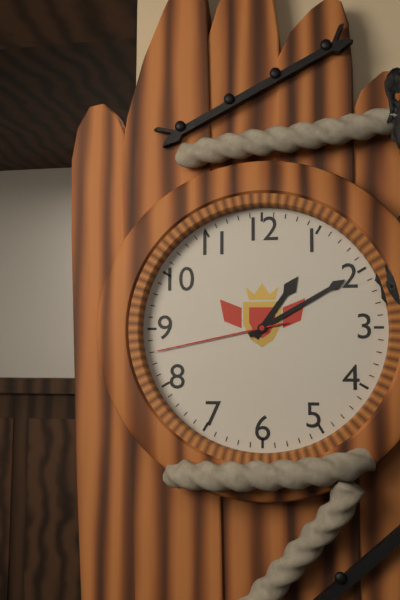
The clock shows 1.10.43
